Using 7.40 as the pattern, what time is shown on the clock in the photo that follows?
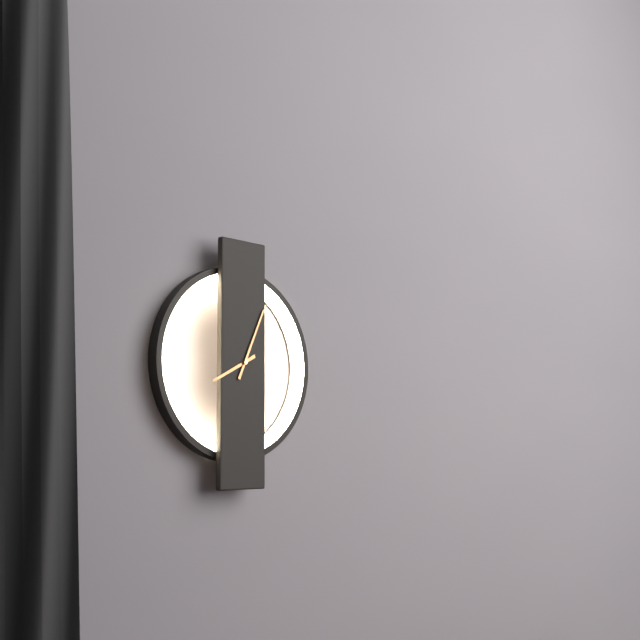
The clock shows 8.04
